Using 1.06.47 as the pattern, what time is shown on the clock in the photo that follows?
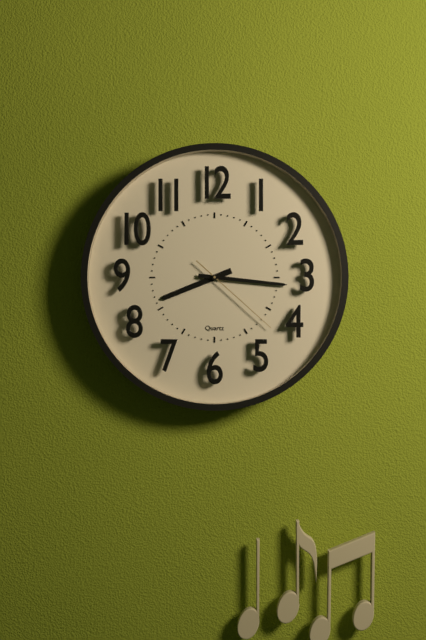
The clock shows 8.16.22
